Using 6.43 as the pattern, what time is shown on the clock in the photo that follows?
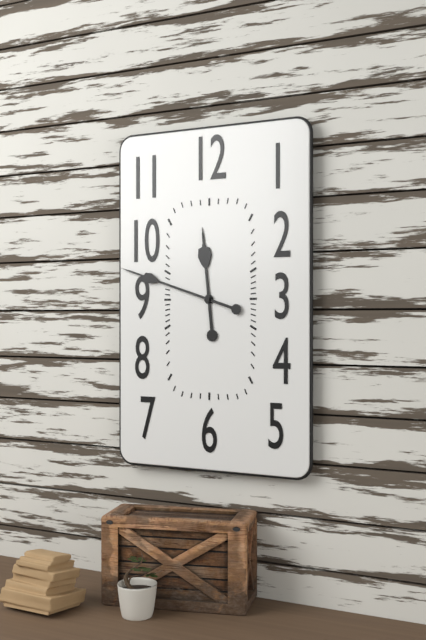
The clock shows 11.48
